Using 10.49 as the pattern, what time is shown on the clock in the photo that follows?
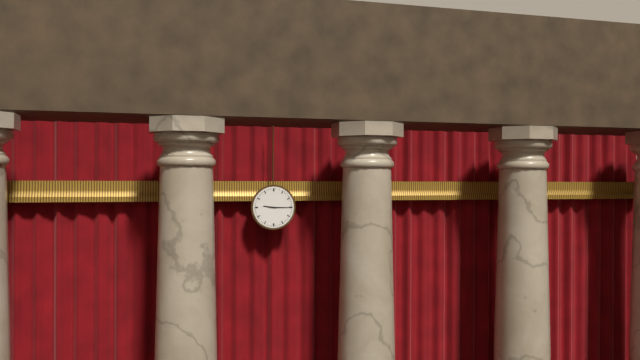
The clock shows 9.15
